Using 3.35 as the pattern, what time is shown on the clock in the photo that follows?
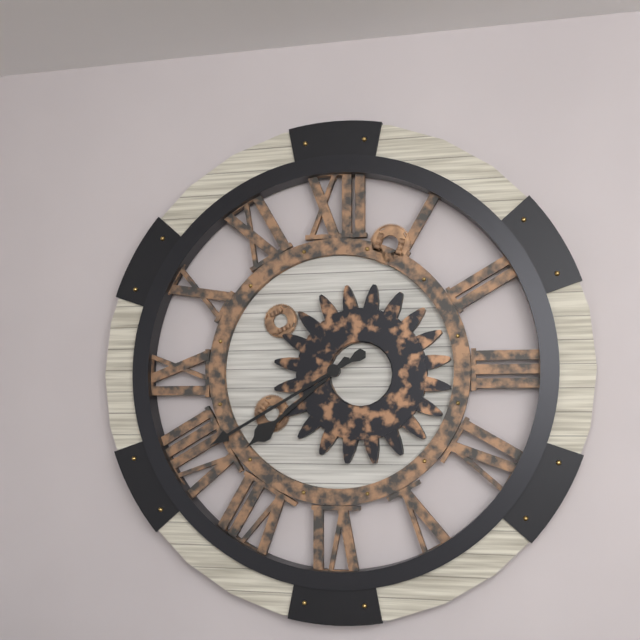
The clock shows 7.40
